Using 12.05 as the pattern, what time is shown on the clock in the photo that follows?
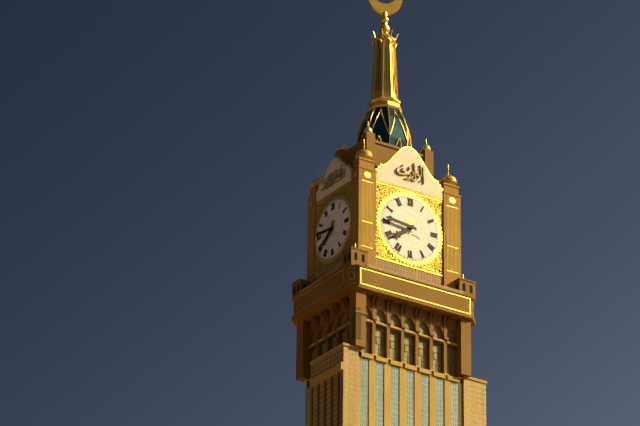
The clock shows 7.46
